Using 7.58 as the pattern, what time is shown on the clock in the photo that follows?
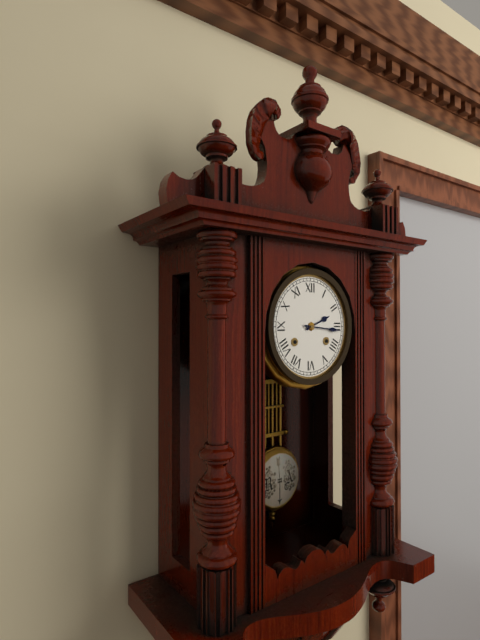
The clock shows 2.16
